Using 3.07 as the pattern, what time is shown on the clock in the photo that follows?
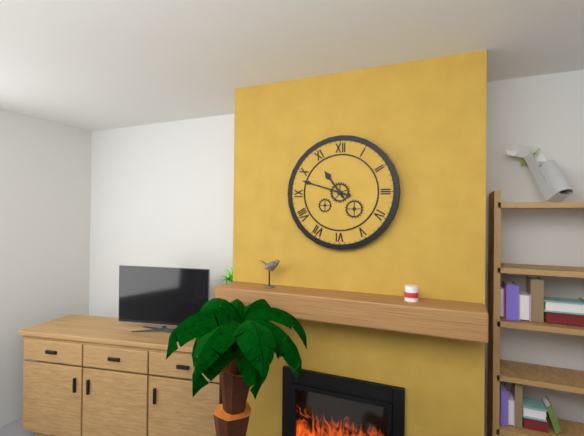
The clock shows 10.48
